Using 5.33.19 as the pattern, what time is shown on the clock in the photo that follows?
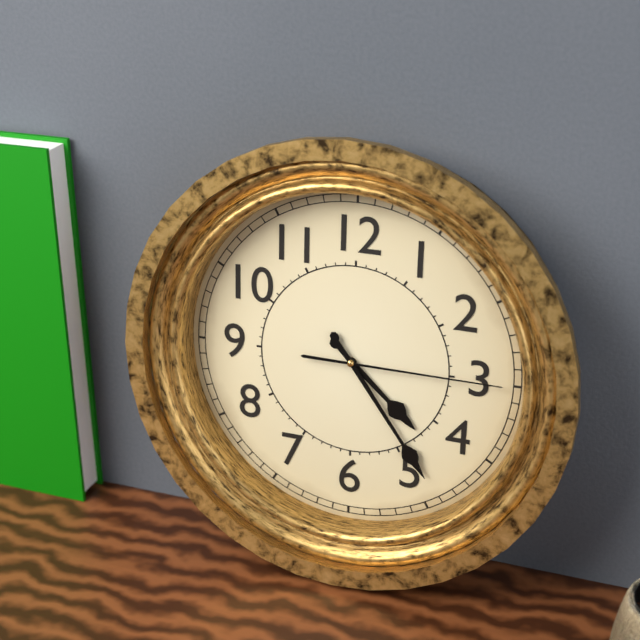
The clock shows 4.24.15
